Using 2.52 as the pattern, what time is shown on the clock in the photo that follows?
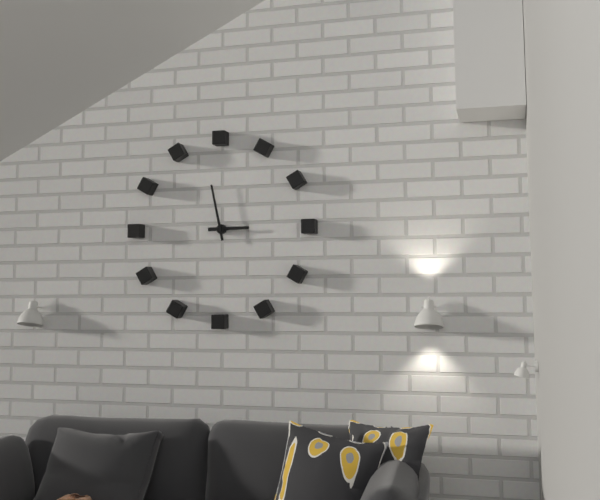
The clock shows 2.58
